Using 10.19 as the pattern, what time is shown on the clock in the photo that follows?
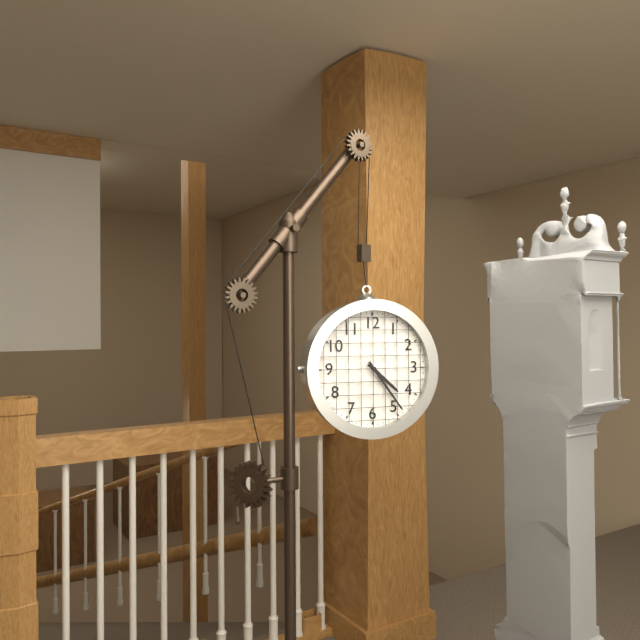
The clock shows 4.24
